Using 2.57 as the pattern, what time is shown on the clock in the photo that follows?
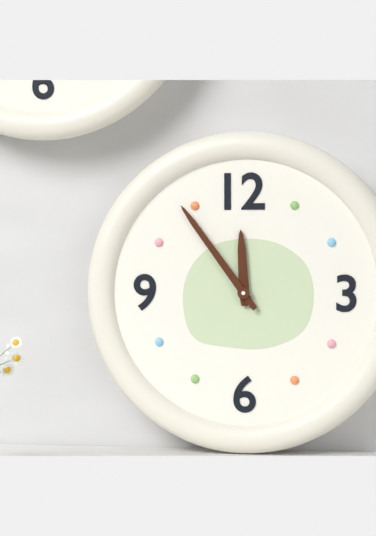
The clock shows 11.54
